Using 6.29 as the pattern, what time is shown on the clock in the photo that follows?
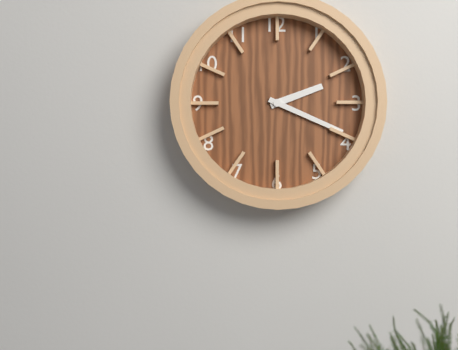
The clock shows 2.19
